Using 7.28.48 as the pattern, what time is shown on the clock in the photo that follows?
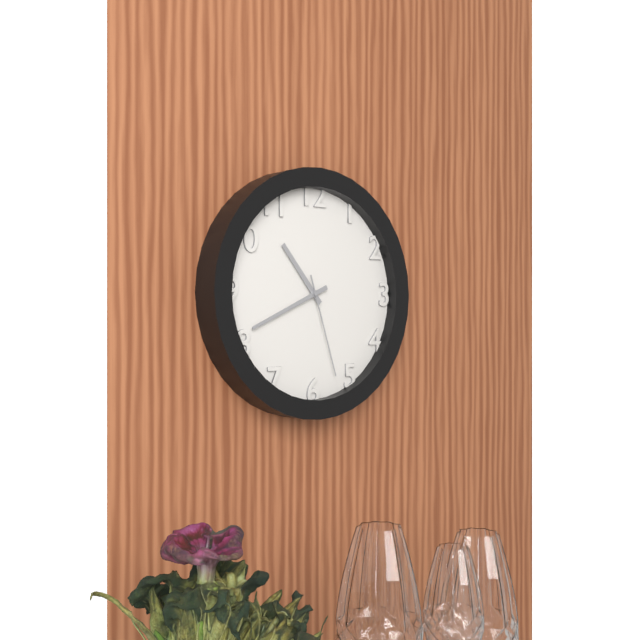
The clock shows 10.41.27
